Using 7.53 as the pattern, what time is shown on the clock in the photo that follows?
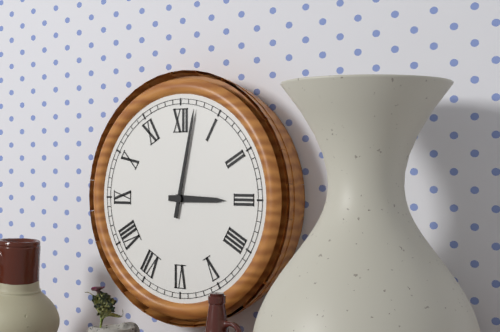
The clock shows 3.02
